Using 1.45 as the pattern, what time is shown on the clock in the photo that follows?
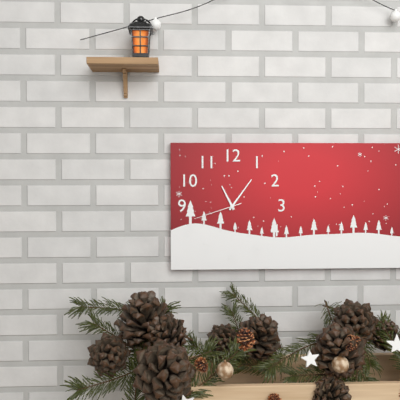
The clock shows 11.06
